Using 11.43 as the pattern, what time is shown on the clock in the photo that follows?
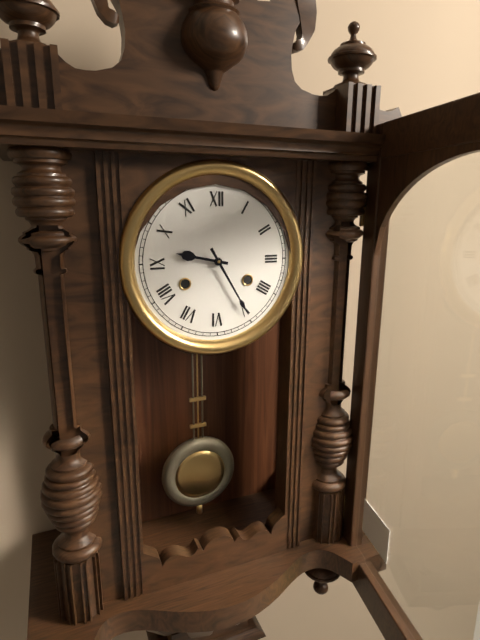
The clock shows 9.25
